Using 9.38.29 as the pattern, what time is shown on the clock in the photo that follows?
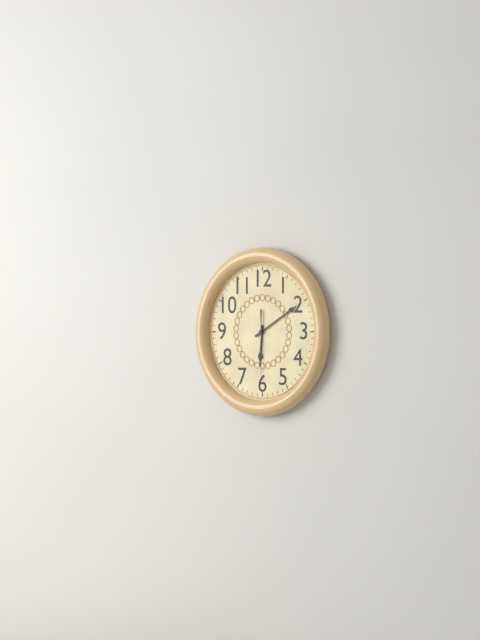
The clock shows 6.10.30
